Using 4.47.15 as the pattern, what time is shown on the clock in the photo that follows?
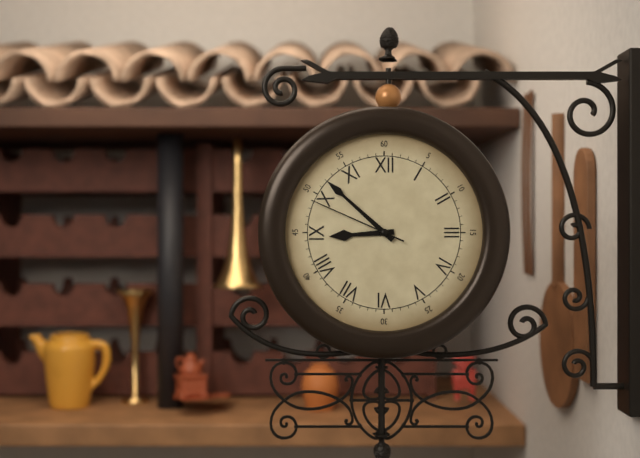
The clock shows 8.52.49
